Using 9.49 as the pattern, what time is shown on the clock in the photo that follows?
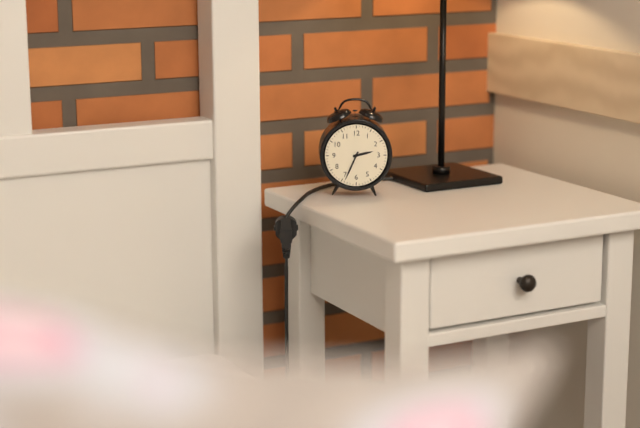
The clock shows 2.34
